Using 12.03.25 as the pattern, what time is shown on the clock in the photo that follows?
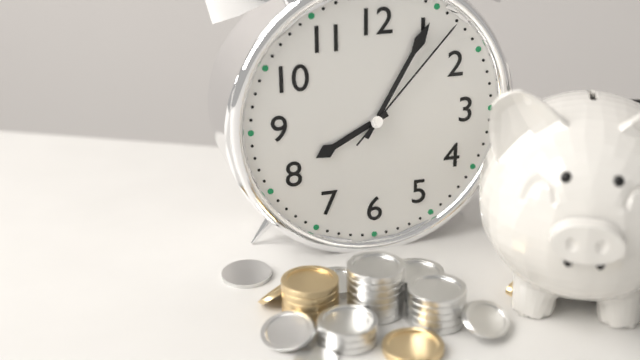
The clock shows 8.05.07
